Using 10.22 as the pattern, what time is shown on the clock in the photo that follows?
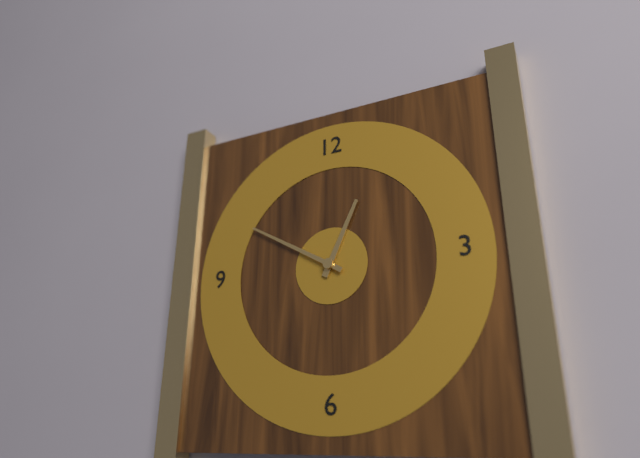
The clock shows 12.50
